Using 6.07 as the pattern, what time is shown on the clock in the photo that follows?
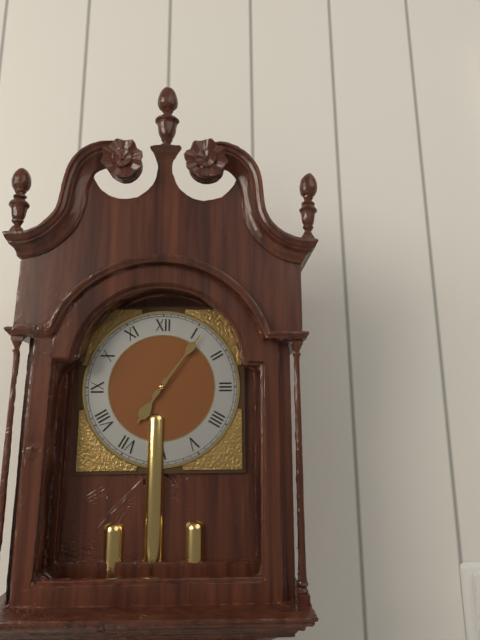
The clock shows 7.06
